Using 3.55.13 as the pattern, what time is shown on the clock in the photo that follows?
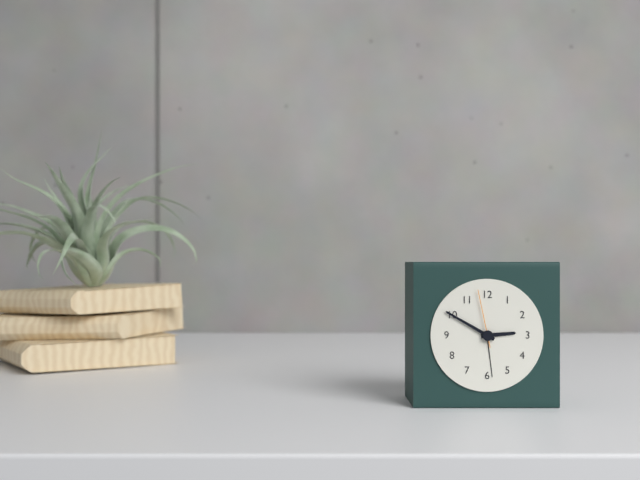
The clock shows 2.50.58
